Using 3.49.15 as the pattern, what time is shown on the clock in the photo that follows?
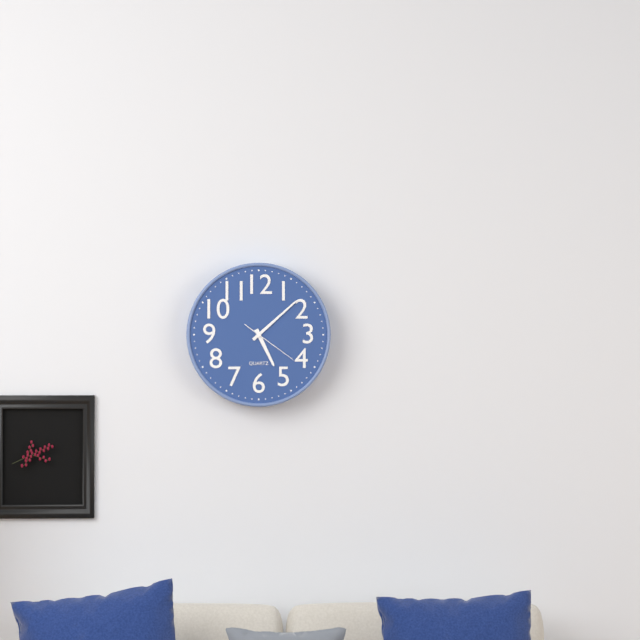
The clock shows 5.08.21
